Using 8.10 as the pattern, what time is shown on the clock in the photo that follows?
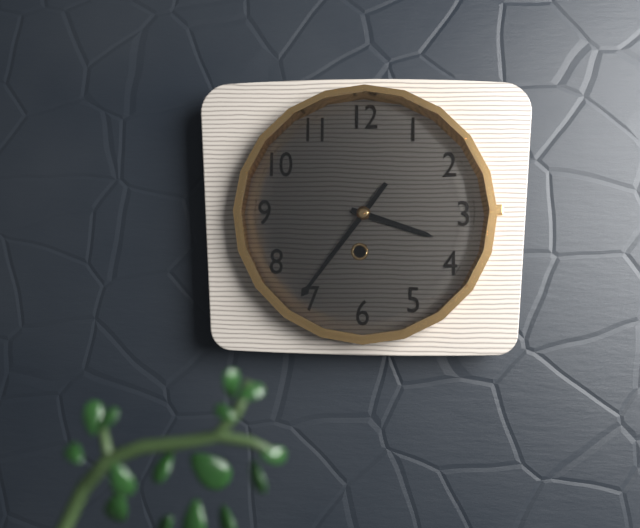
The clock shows 3.36
